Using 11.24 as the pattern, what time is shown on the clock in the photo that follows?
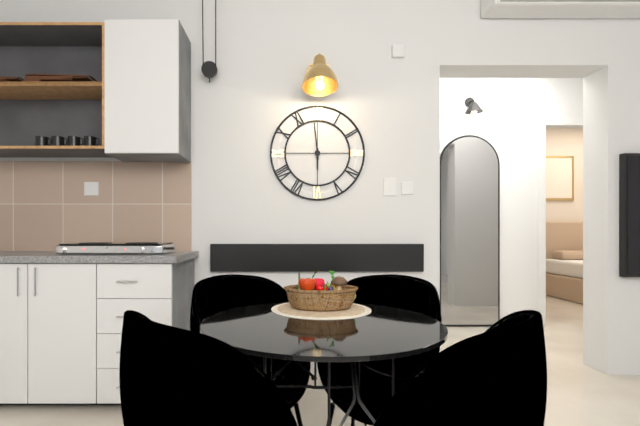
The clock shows 5.59
